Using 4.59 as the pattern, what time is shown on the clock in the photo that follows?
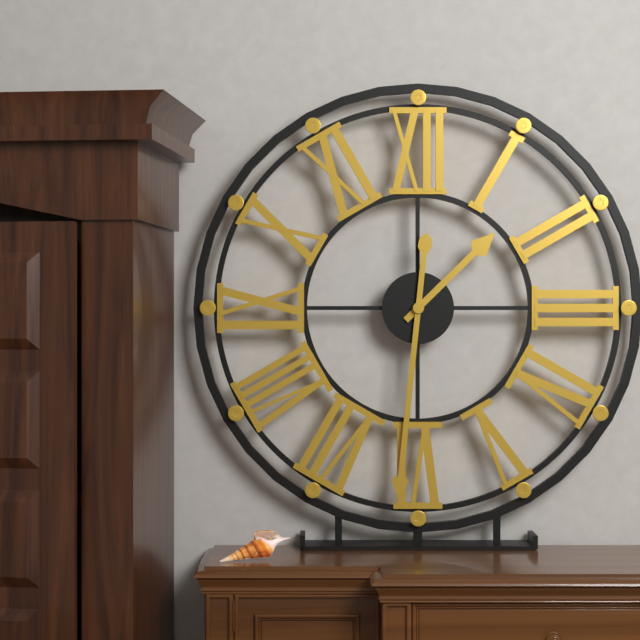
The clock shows 1.31
